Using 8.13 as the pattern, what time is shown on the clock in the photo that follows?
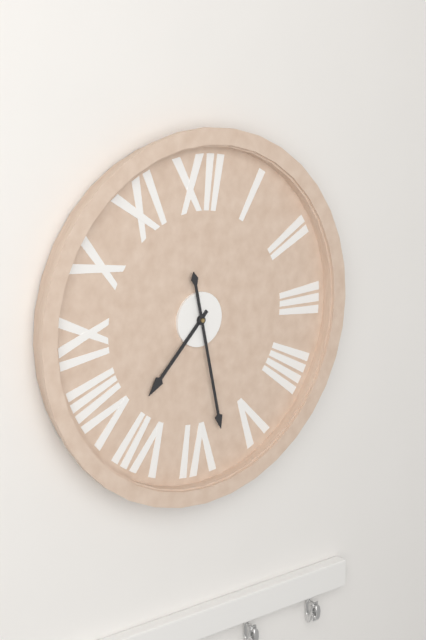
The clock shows 7.28
